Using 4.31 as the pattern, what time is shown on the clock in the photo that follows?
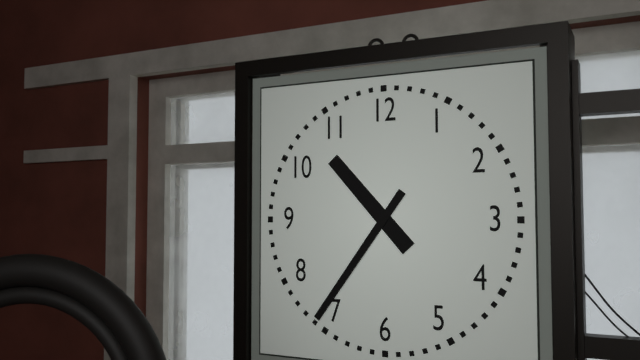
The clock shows 10.36
